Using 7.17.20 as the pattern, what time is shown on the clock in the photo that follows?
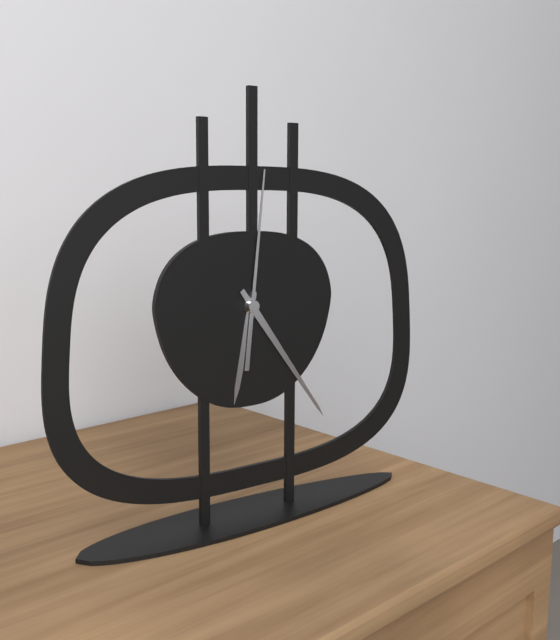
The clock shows 6.24.01
